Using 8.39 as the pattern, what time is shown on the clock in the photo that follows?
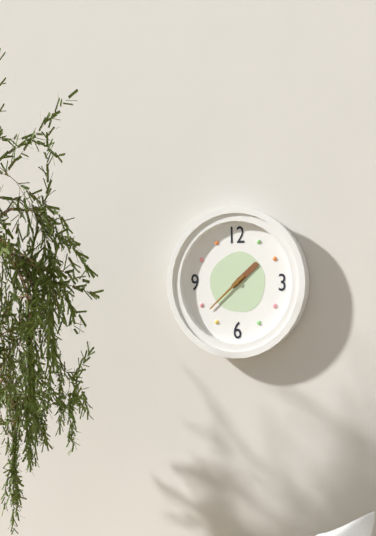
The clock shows 1.38
